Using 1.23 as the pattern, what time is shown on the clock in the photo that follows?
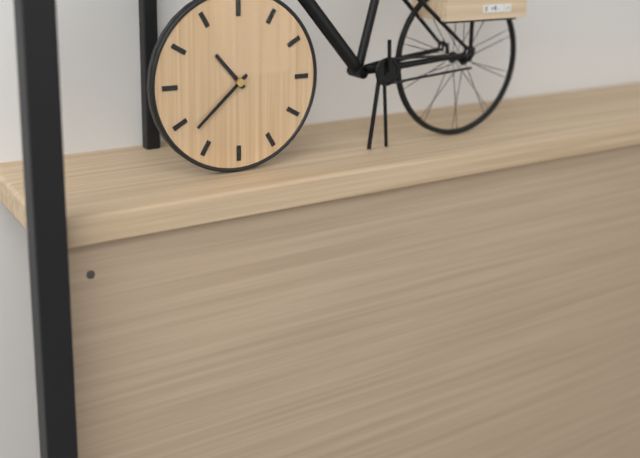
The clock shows 10.38
